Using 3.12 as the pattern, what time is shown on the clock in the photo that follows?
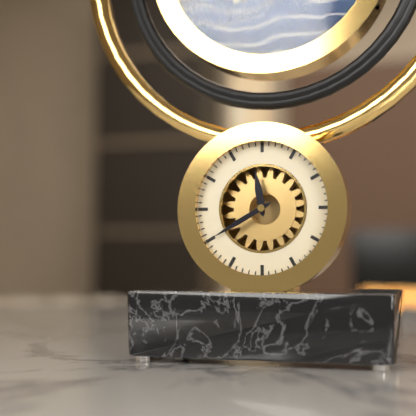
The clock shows 11.40
